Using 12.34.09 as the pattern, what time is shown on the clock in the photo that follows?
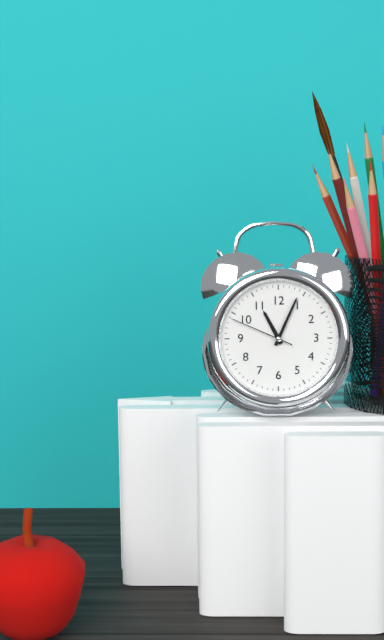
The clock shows 11.04.49
